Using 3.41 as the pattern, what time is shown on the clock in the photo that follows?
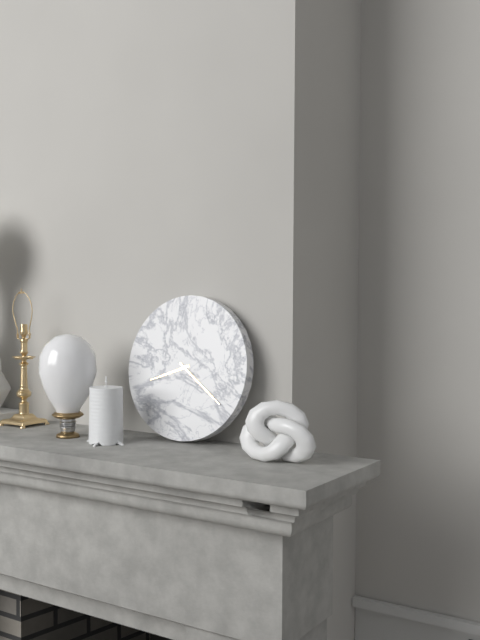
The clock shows 8.21
